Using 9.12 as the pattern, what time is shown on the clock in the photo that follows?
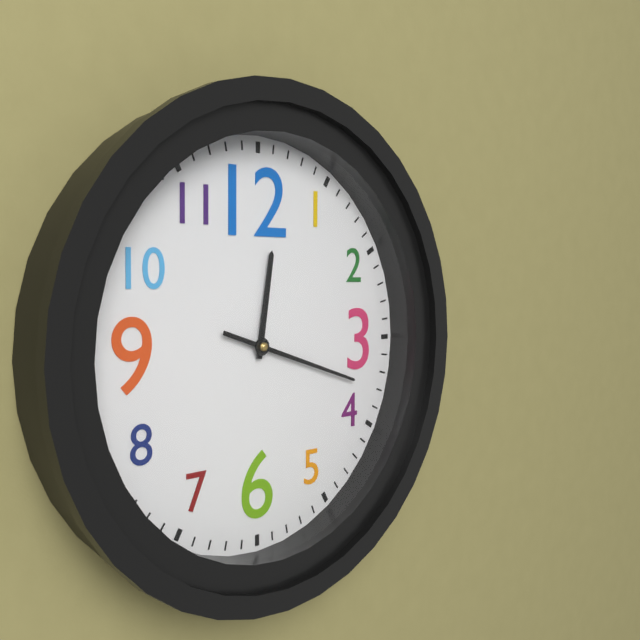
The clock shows 12.18
